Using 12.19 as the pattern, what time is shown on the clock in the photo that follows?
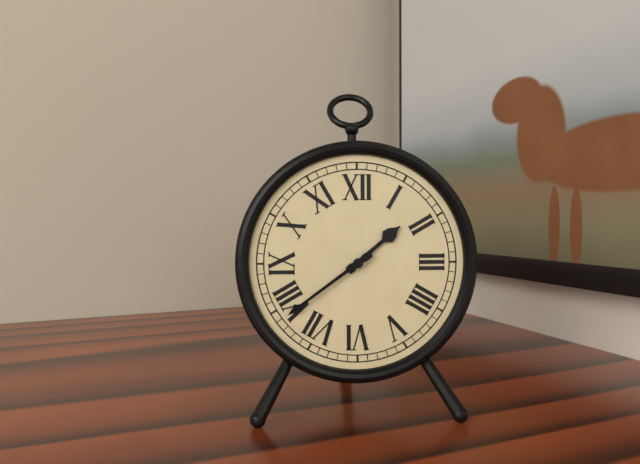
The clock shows 1.39
